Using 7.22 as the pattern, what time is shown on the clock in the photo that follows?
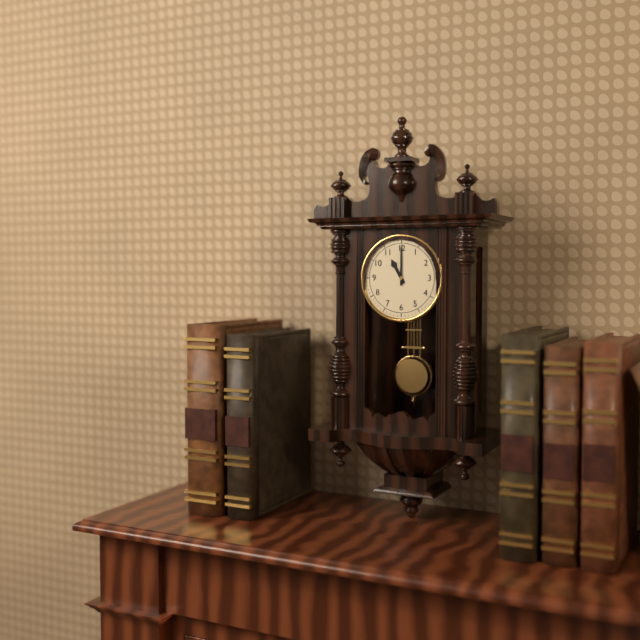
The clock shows 11.00
